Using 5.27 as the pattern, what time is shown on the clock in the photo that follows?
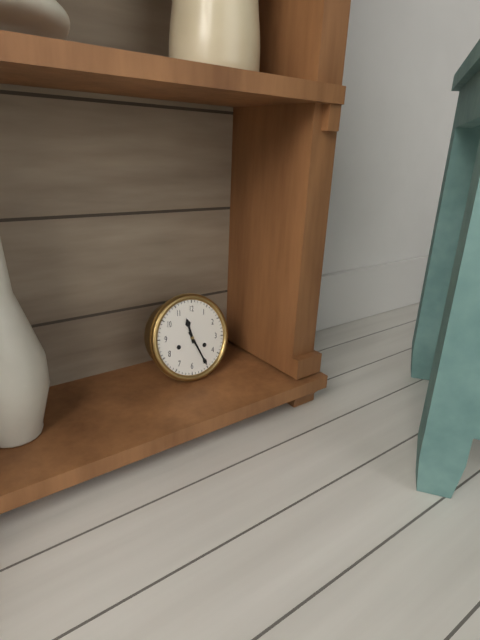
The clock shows 11.25
